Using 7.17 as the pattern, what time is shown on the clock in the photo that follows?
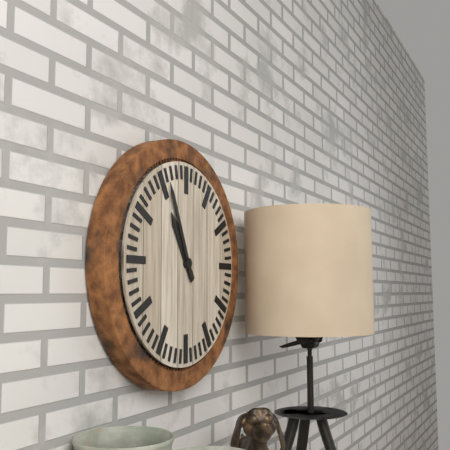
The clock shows 10.56
